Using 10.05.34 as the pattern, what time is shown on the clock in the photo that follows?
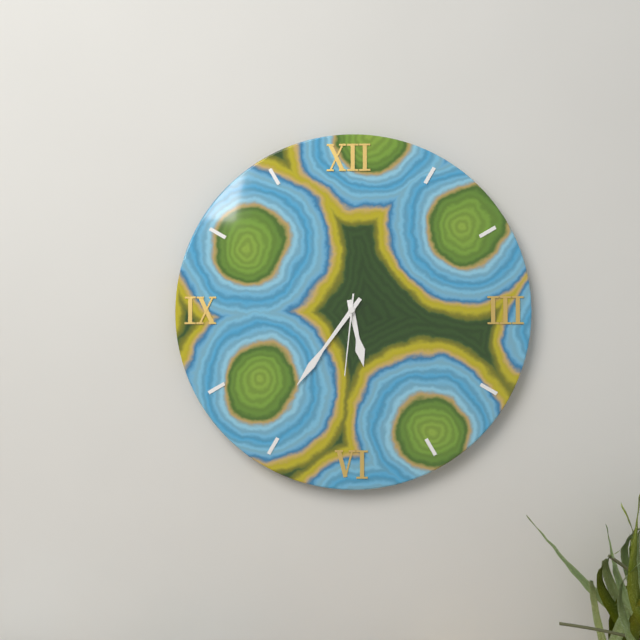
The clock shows 5.36.31
